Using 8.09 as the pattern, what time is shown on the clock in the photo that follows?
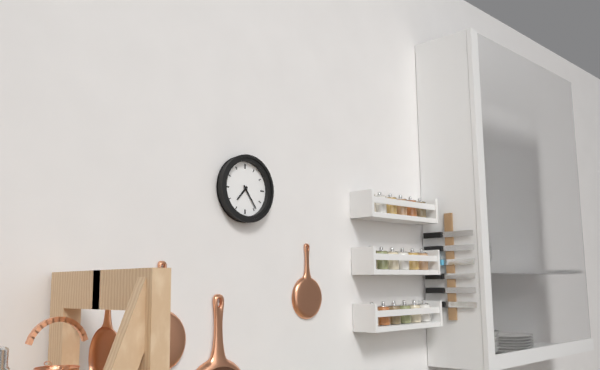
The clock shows 7.24
